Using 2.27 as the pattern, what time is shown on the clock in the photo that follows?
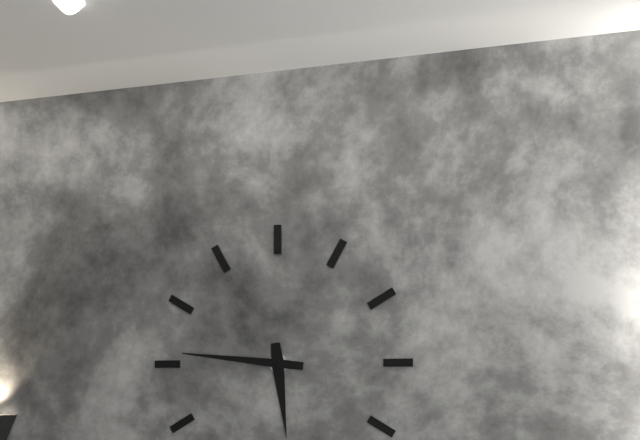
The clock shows 5.46
